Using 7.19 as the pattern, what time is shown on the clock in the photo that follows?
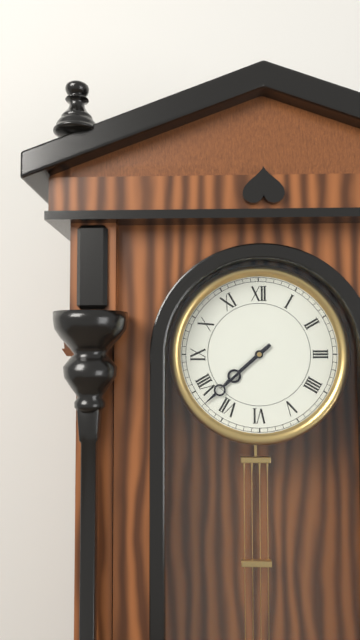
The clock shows 7.38
